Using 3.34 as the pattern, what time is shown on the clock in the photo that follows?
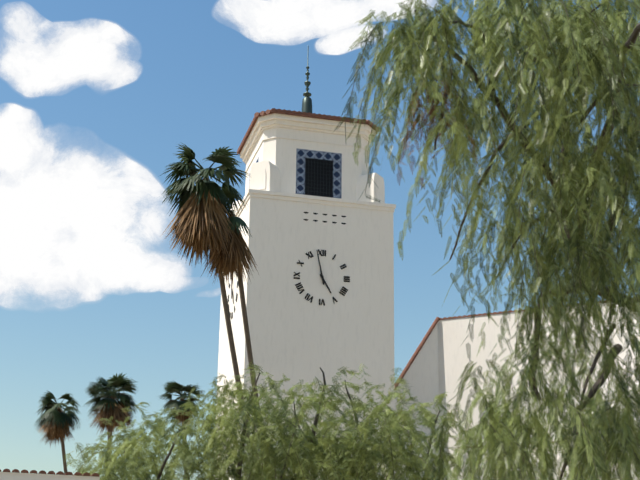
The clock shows 4.58
